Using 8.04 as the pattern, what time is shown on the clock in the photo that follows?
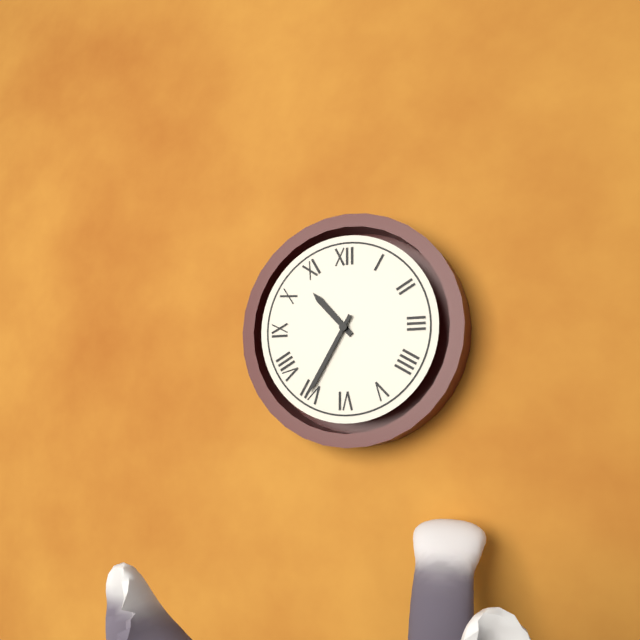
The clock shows 10.35
